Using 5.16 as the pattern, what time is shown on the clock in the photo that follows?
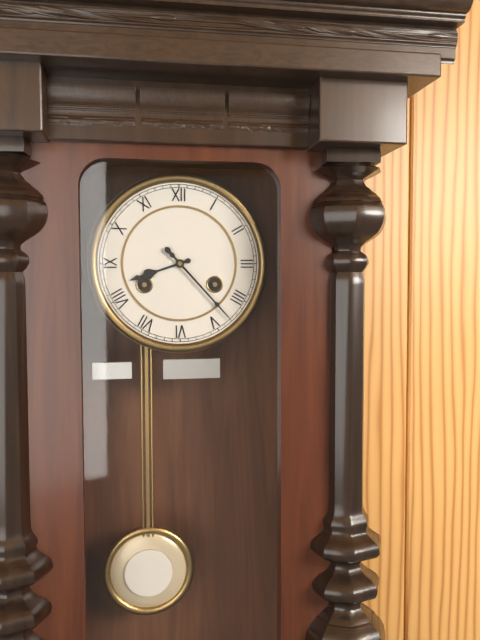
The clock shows 8.23
